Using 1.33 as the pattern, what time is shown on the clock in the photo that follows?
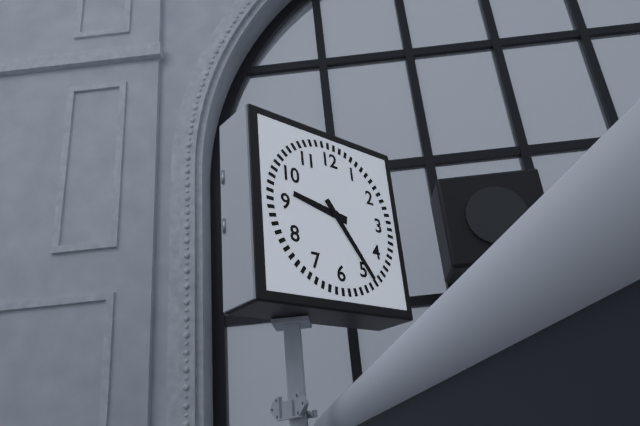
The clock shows 9.24
